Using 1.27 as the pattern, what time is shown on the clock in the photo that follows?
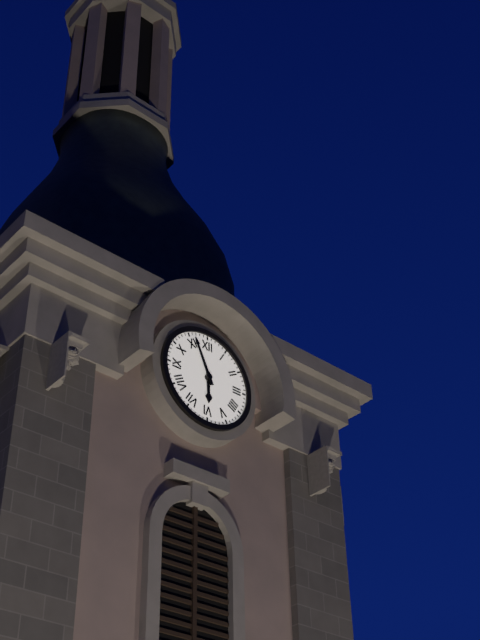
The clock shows 5.56
